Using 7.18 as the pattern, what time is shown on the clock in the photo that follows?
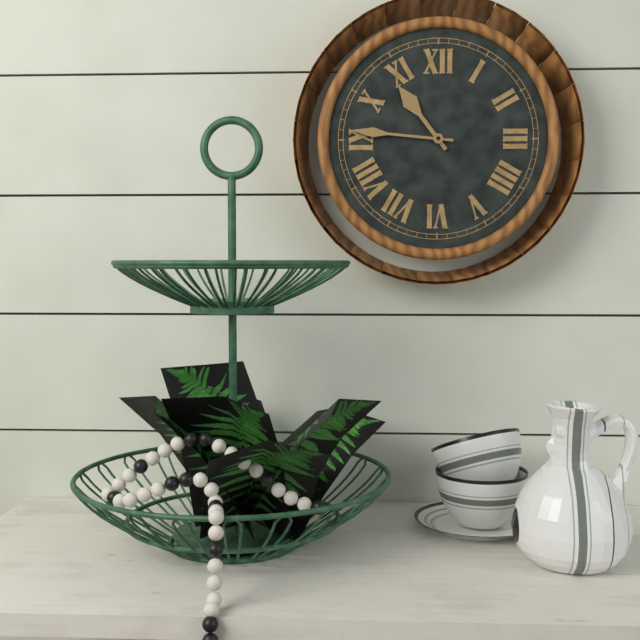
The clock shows 10.46
